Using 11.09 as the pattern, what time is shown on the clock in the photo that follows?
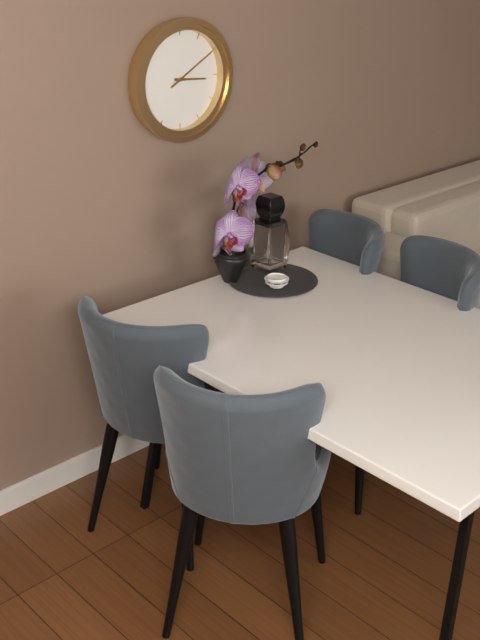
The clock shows 3.10
